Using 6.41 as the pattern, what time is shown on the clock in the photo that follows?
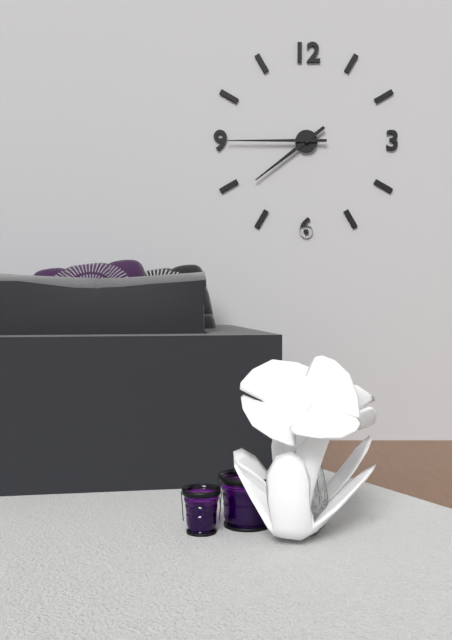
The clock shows 7.45
